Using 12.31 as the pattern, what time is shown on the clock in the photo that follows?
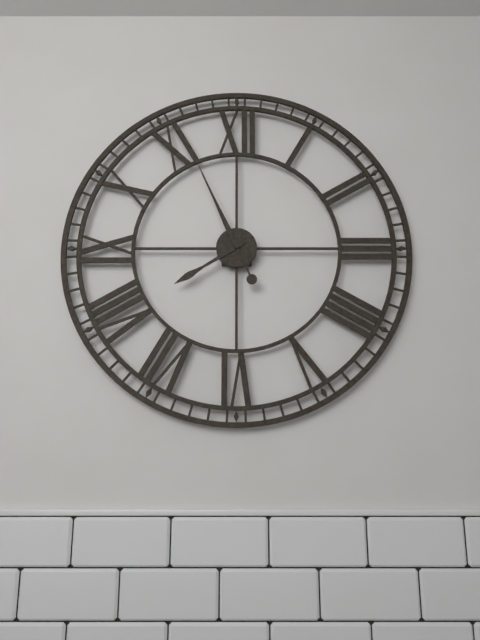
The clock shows 7.56
